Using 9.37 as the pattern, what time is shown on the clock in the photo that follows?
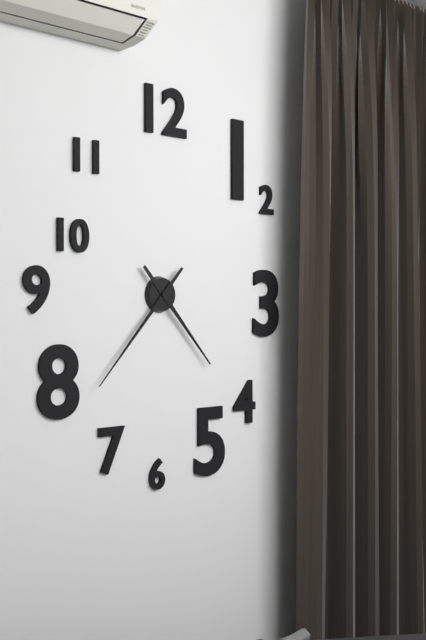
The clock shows 4.37
